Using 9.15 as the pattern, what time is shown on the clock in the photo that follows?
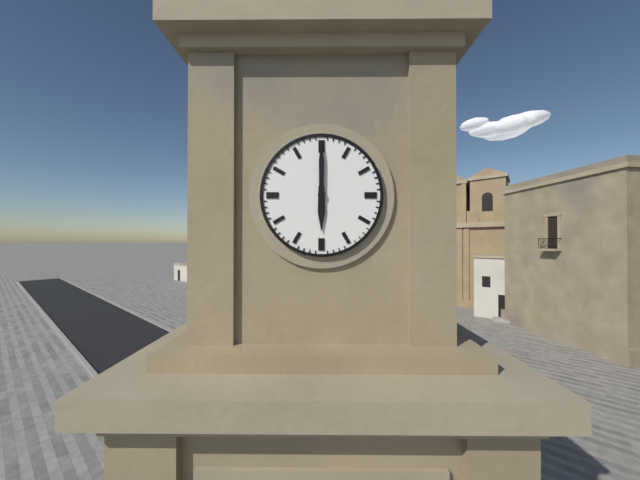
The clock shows 6.00
